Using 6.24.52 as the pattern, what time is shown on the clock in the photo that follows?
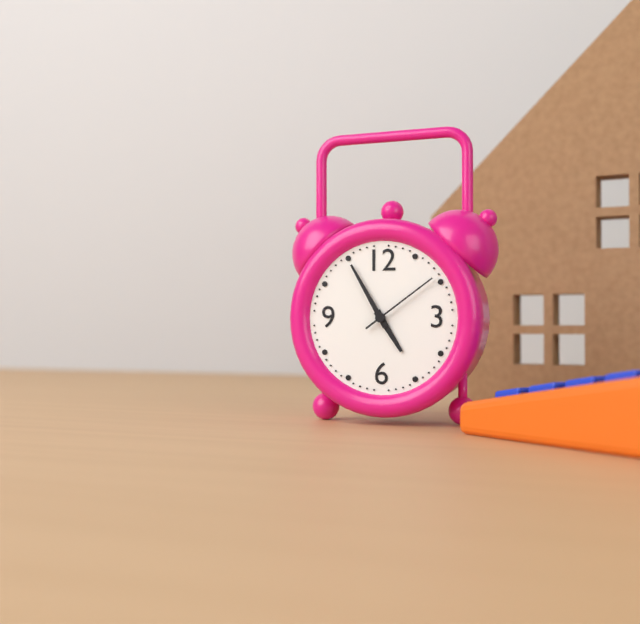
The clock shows 4.55.09
